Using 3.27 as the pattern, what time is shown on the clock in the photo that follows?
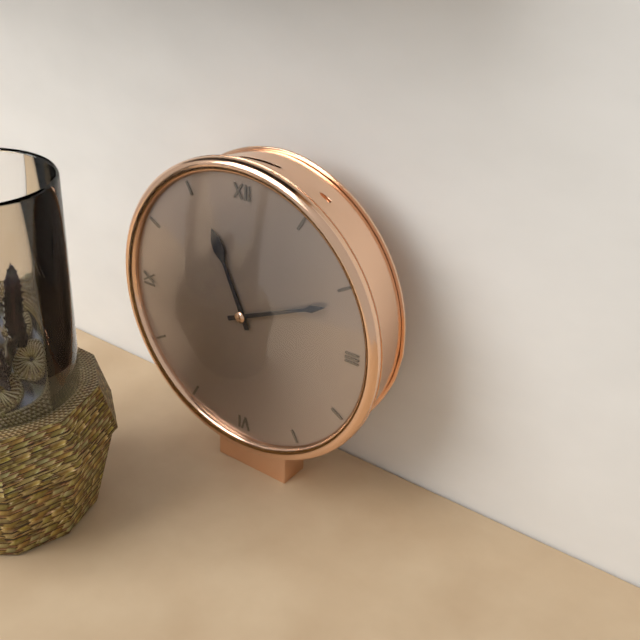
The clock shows 11.11
